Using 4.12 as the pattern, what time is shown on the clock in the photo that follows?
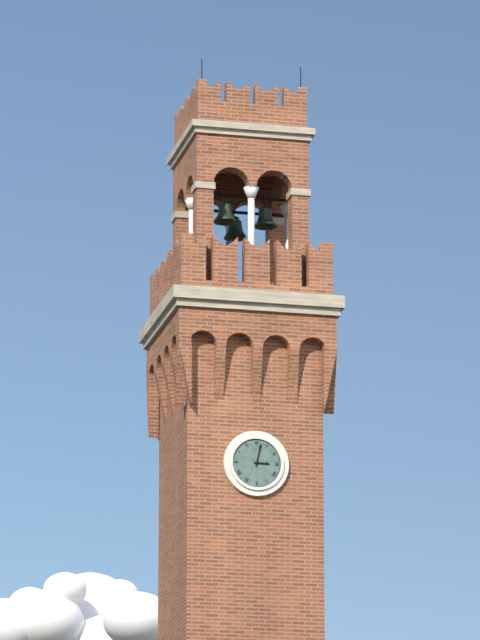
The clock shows 3.02
